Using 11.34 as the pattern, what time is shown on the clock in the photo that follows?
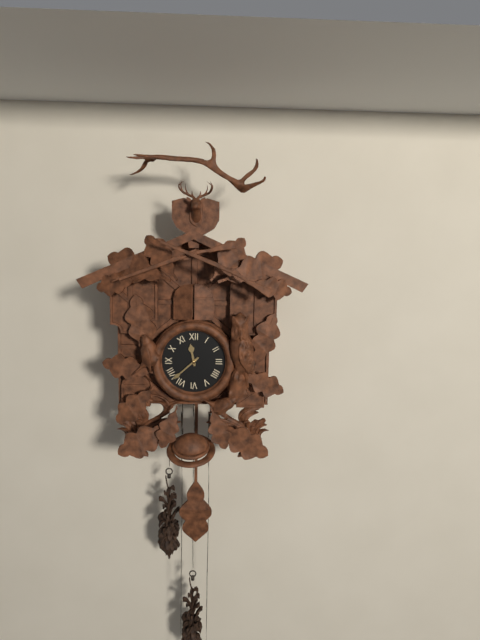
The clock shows 11.38
